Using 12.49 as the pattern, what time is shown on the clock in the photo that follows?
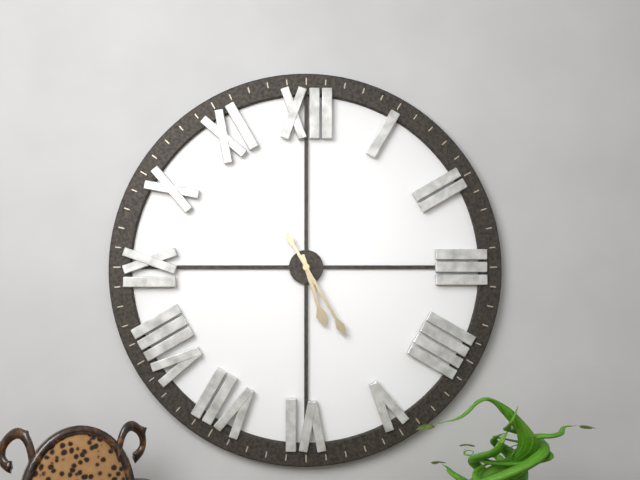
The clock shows 5.25
